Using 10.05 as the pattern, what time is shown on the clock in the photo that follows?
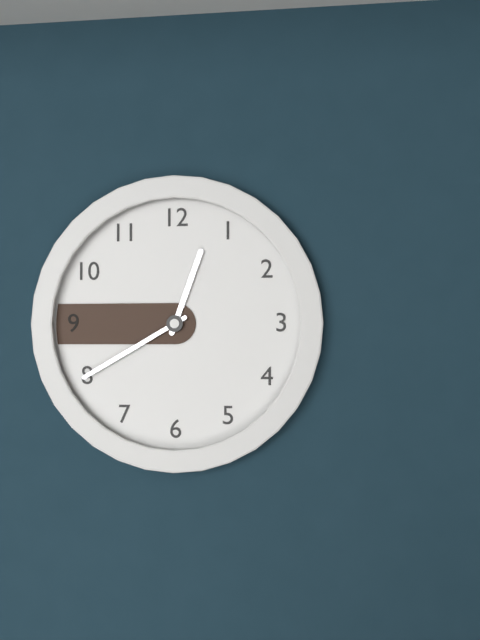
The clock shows 12.40
